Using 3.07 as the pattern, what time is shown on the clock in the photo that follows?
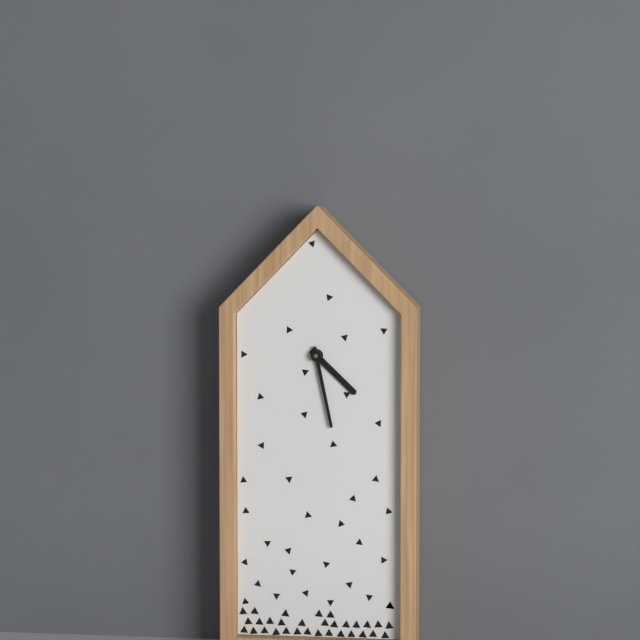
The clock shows 4.28
